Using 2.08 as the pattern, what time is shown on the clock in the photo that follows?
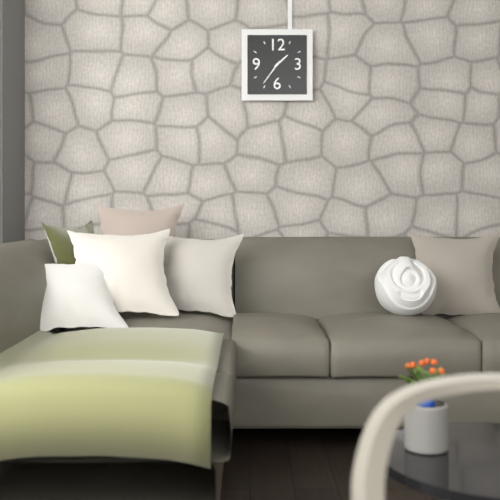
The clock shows 1.36
